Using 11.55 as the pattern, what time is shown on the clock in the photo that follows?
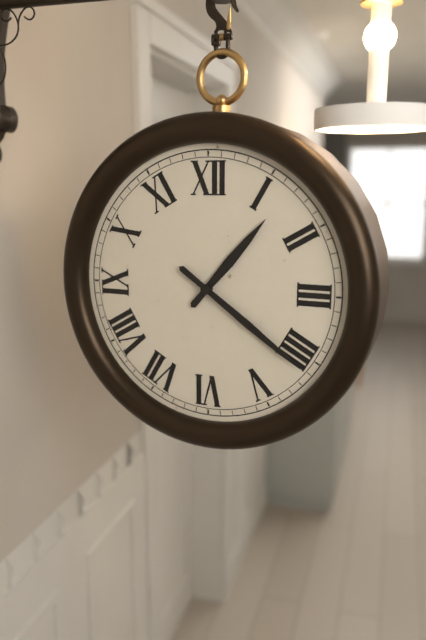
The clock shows 1.21
